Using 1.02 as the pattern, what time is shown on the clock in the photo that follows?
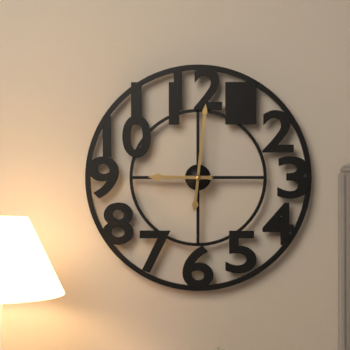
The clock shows 9.01
